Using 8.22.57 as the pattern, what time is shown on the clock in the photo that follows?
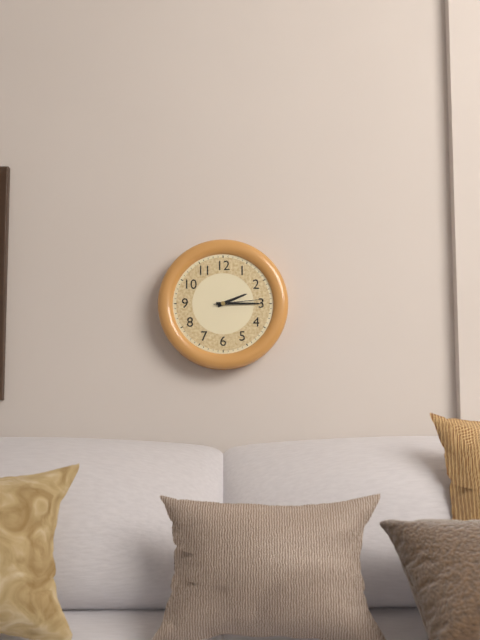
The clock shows 2.15.14
